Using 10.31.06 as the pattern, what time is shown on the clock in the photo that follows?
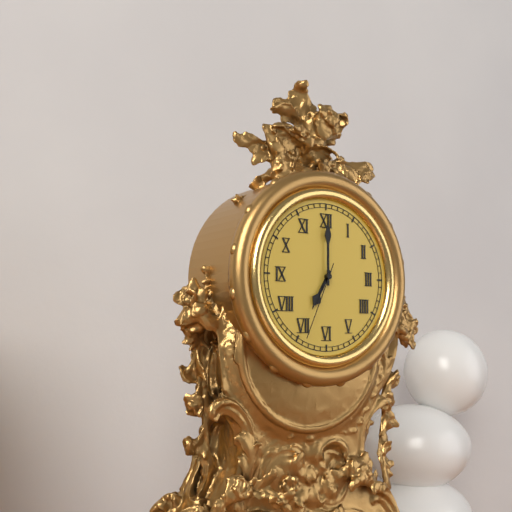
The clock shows 7.00.34
